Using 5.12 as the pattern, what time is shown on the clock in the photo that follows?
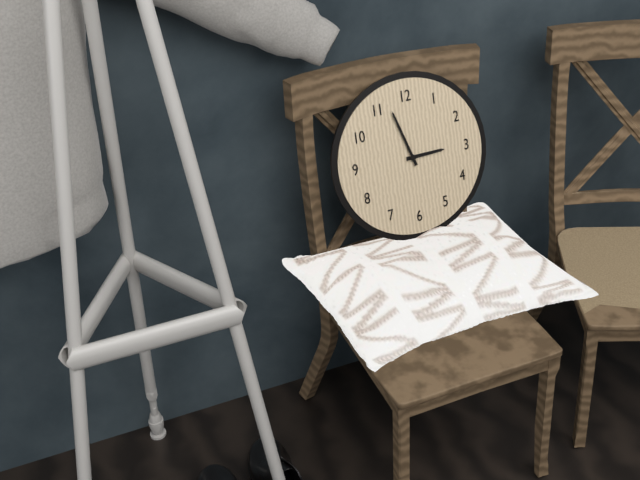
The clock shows 2.57
